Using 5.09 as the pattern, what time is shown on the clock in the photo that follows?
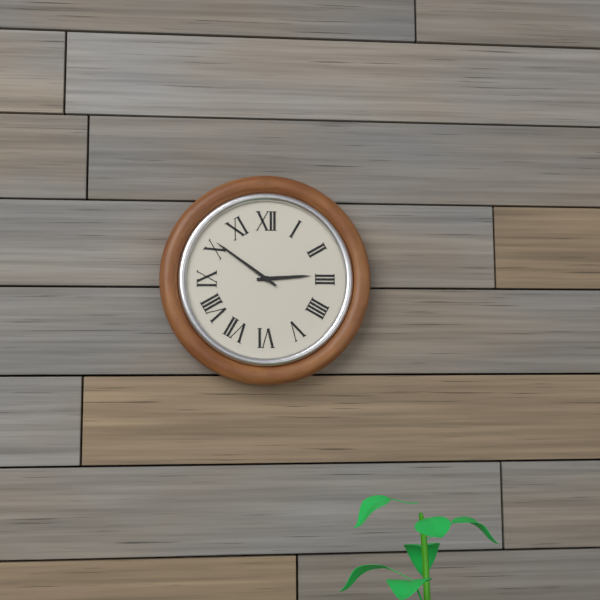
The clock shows 2.51
